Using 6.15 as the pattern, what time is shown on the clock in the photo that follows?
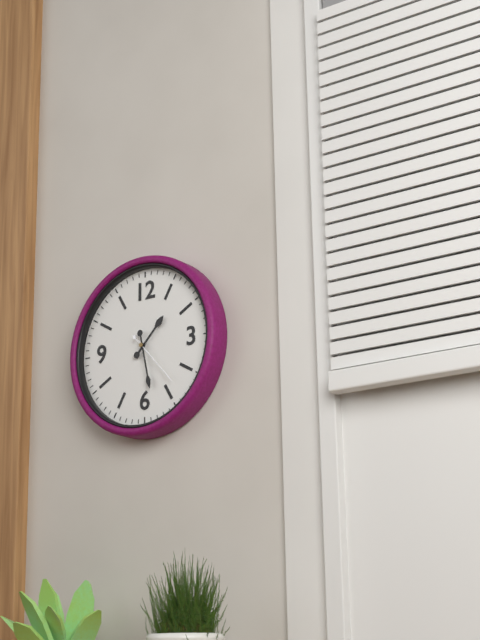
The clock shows 1.28
